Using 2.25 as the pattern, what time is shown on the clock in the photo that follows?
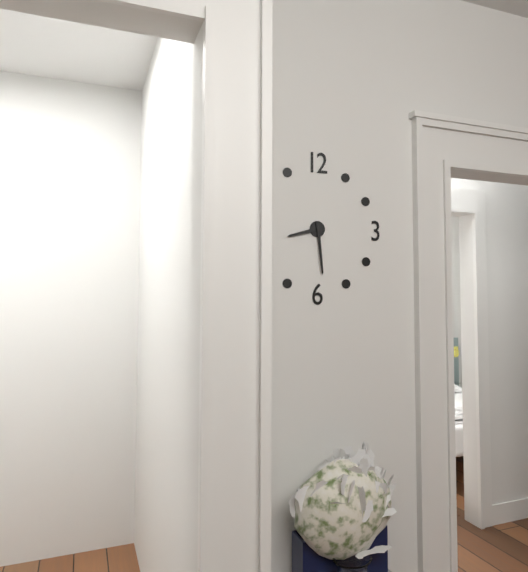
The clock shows 8.29
